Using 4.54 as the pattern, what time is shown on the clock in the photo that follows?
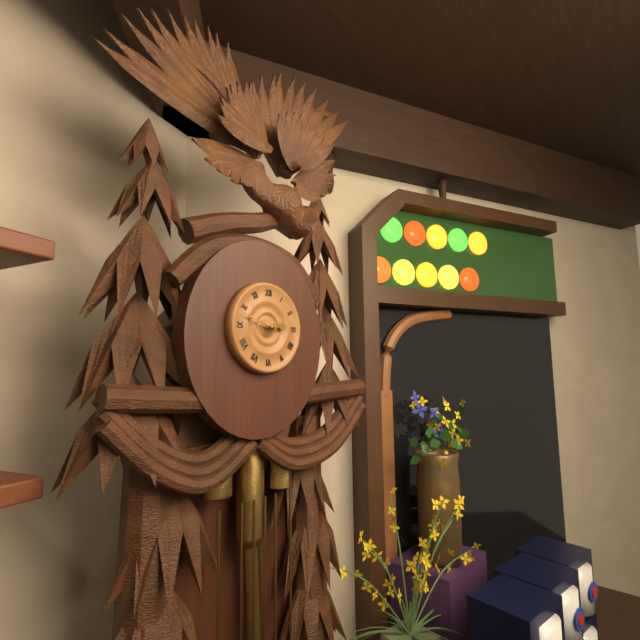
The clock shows 2.48
